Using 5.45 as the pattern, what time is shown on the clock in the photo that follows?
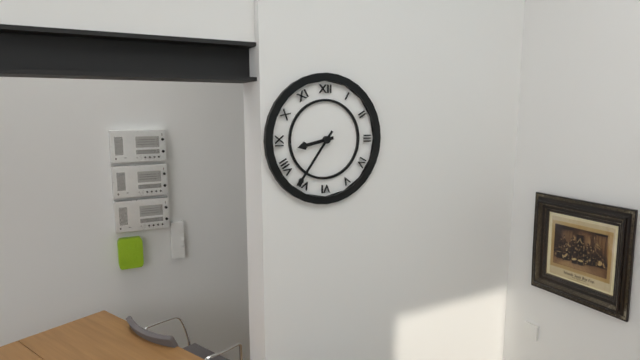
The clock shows 8.36
